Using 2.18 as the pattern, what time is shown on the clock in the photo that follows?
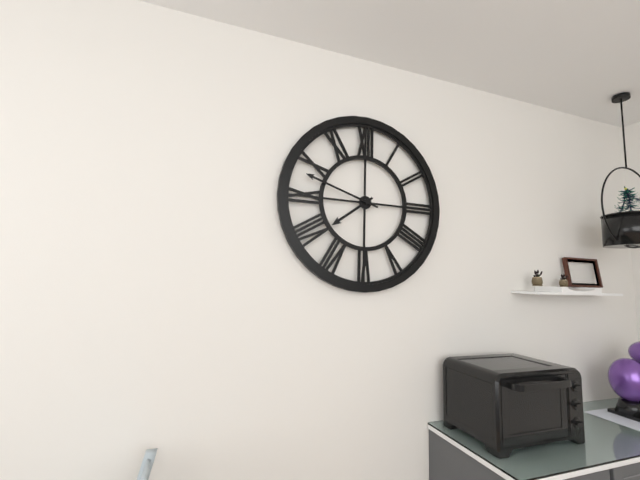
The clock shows 7.48
